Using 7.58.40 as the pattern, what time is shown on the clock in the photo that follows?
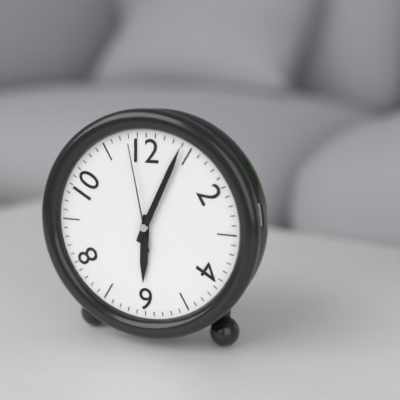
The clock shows 6.04.58
